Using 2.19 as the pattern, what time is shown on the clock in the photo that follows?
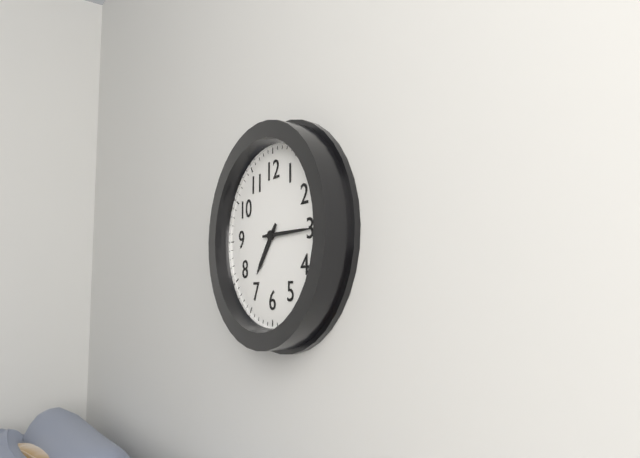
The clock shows 7.15
